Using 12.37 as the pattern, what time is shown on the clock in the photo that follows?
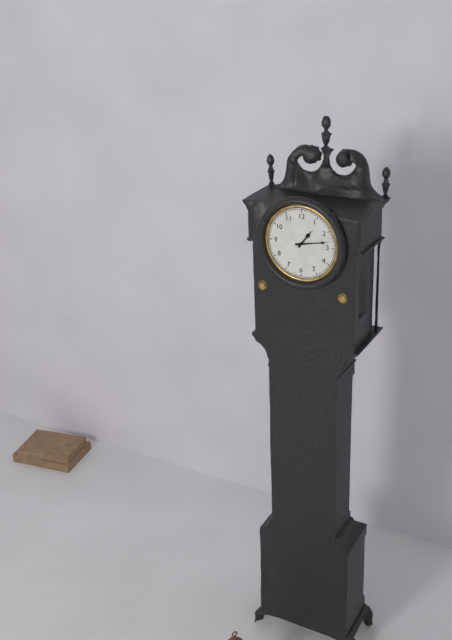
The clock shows 1.13
